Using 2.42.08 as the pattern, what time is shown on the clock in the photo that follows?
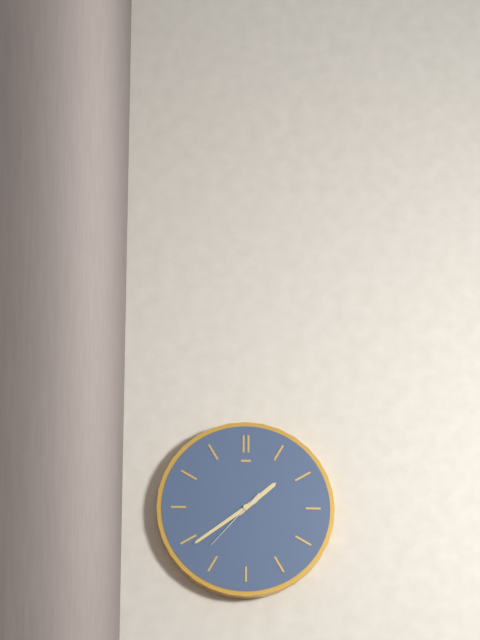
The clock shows 1.39.37
